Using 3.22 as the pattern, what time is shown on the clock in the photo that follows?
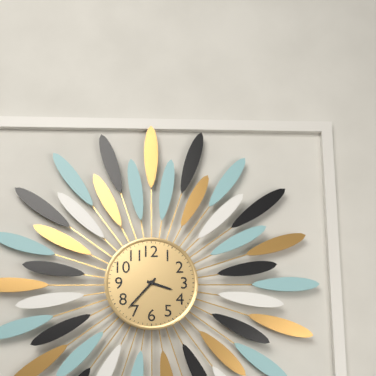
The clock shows 3.37
